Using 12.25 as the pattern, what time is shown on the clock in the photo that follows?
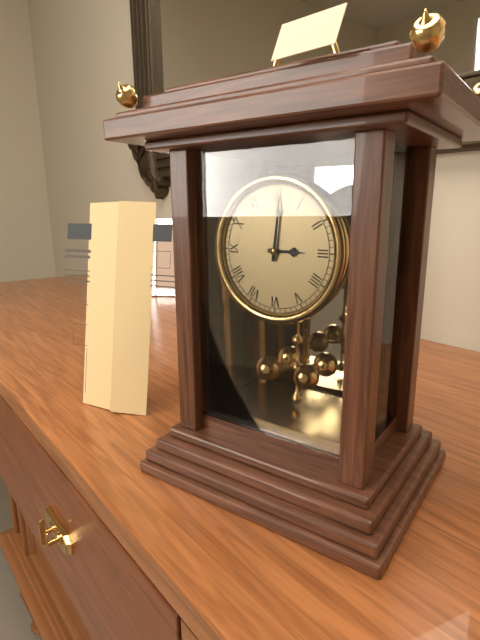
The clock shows 3.01
